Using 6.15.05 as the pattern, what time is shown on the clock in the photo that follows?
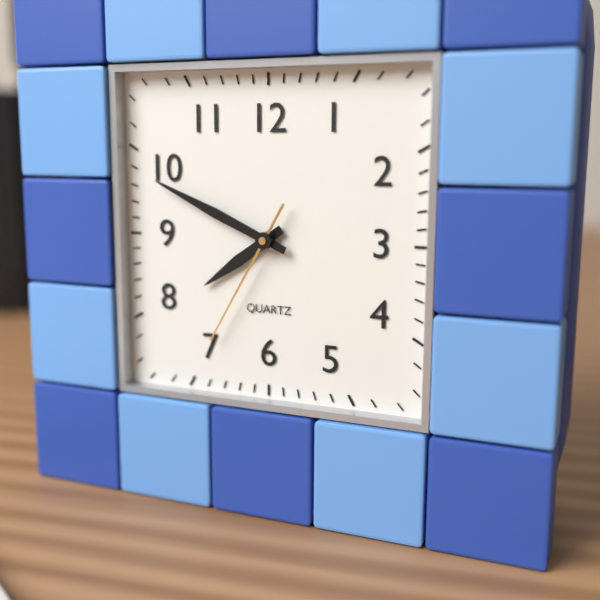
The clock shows 7.49.35
